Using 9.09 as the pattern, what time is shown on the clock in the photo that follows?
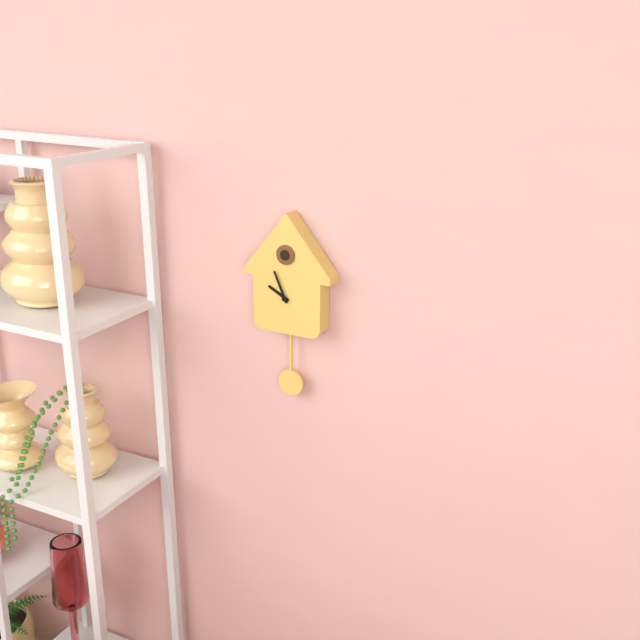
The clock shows 9.56
